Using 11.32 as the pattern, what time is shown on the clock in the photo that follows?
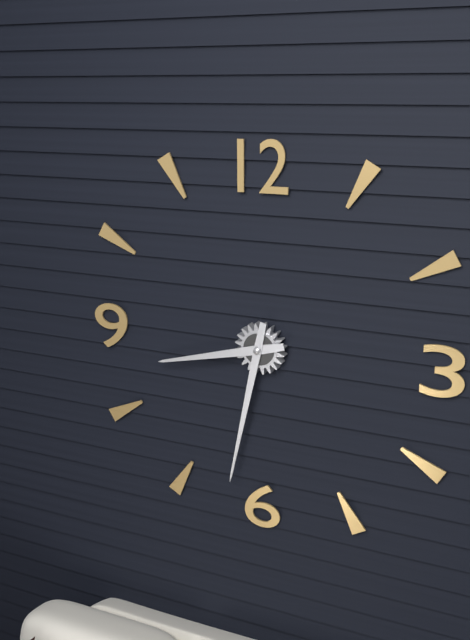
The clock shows 8.32
